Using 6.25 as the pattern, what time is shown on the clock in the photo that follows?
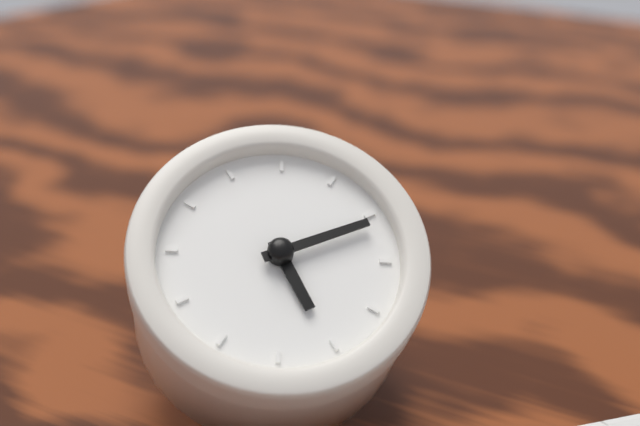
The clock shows 4.06
